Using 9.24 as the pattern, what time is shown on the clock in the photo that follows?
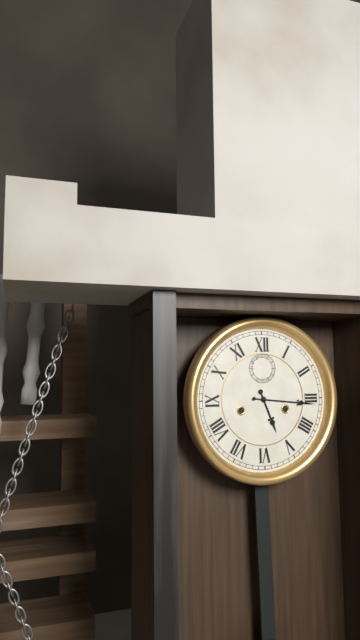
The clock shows 5.16
